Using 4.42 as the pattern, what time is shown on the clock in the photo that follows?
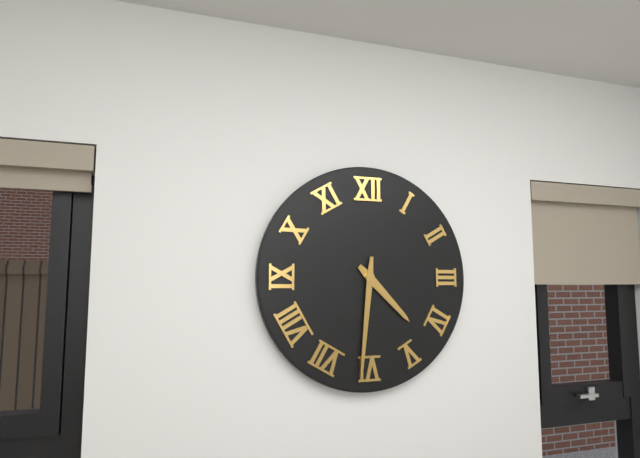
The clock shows 4.31
